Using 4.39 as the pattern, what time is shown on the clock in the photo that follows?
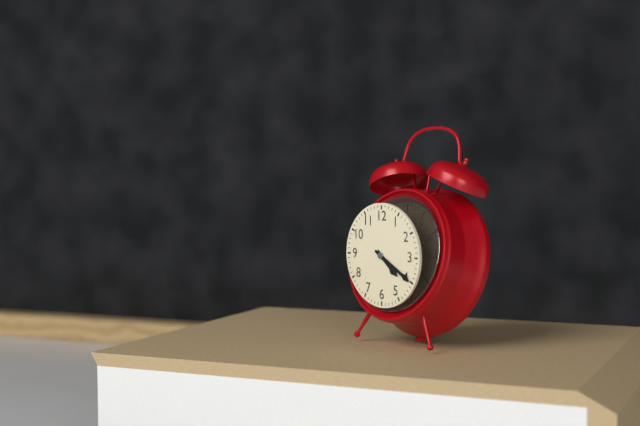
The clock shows 4.20
